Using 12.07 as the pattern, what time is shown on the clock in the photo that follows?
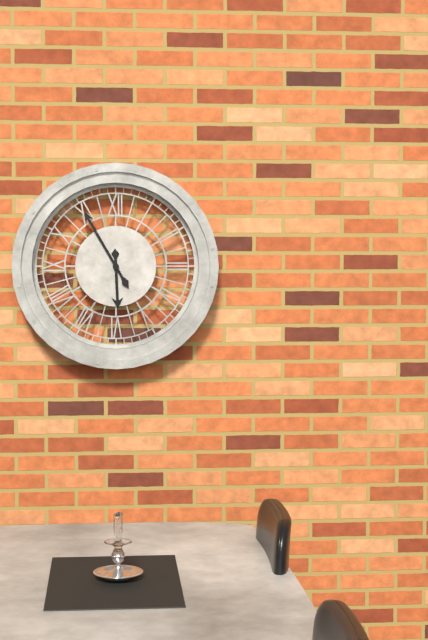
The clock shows 5.55
